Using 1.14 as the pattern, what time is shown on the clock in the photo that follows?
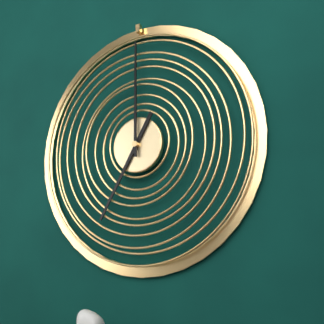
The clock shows 7.00
